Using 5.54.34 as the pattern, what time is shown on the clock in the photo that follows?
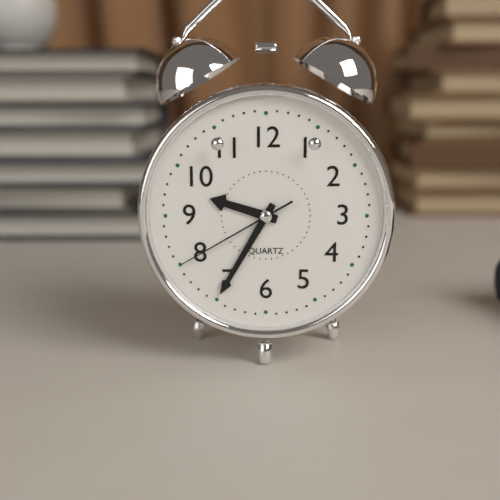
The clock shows 9.35.40
